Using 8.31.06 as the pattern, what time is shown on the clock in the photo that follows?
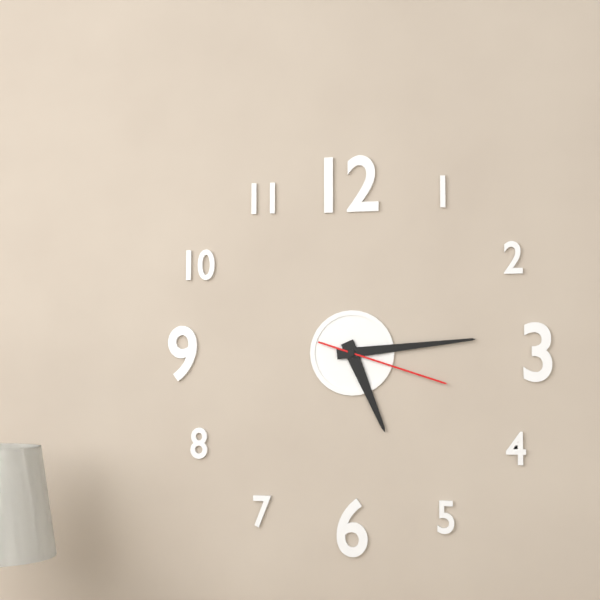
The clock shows 5.14.18
